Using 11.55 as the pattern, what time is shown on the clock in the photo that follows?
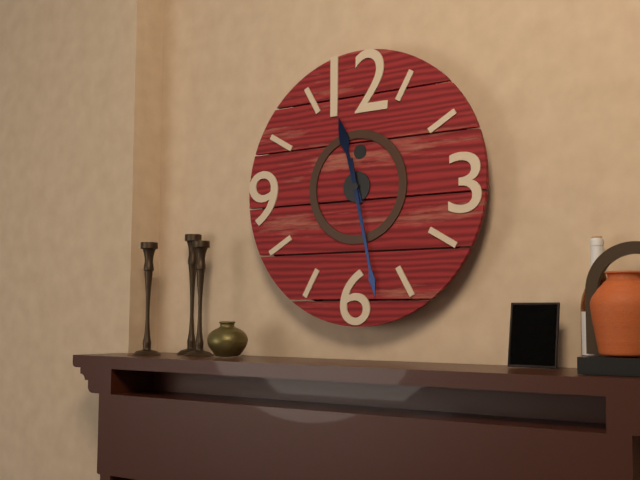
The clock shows 11.28
